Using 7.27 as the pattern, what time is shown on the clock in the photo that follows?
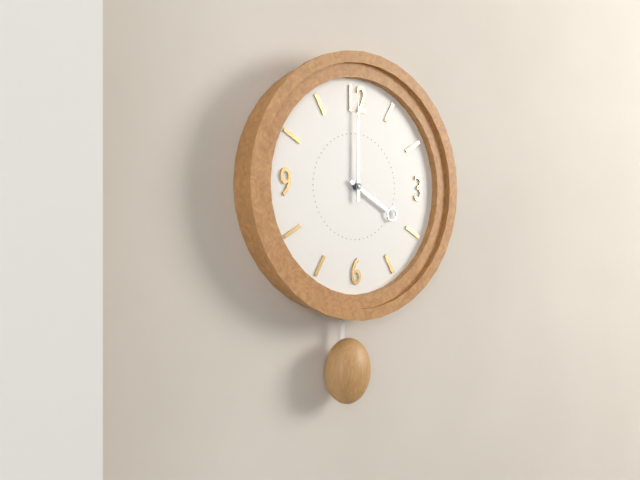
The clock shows 4.00
